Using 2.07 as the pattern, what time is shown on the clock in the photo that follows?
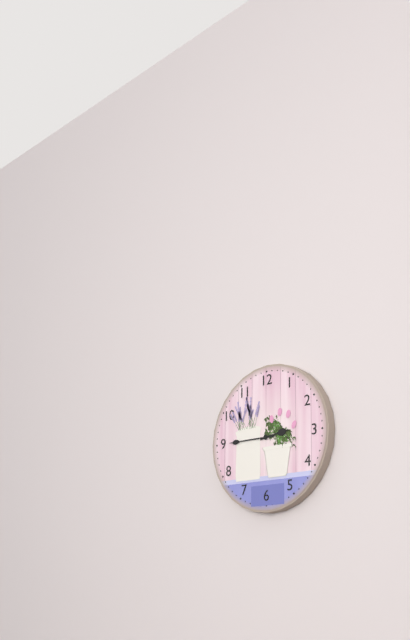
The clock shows 2.45
